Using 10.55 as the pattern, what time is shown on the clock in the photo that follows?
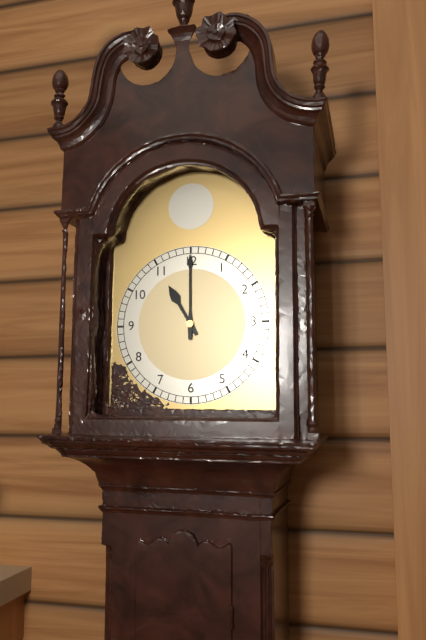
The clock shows 11.00
